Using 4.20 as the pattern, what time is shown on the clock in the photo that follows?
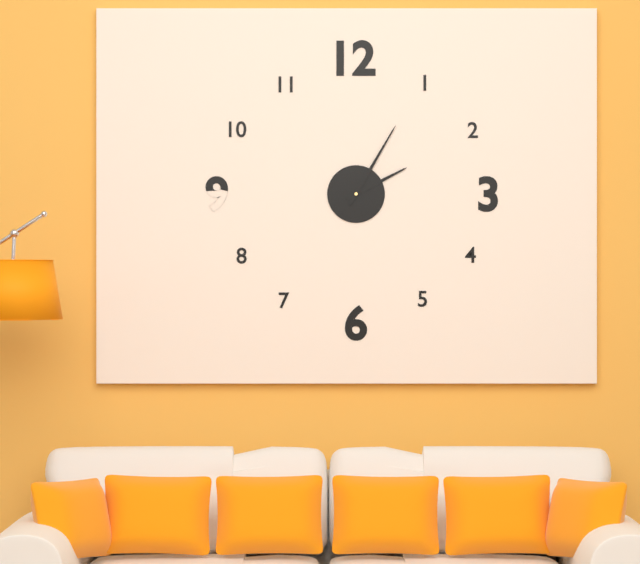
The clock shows 2.05
